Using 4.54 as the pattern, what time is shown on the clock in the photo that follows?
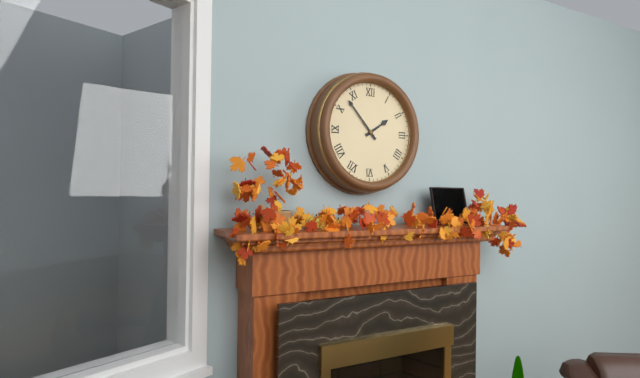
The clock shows 1.53
